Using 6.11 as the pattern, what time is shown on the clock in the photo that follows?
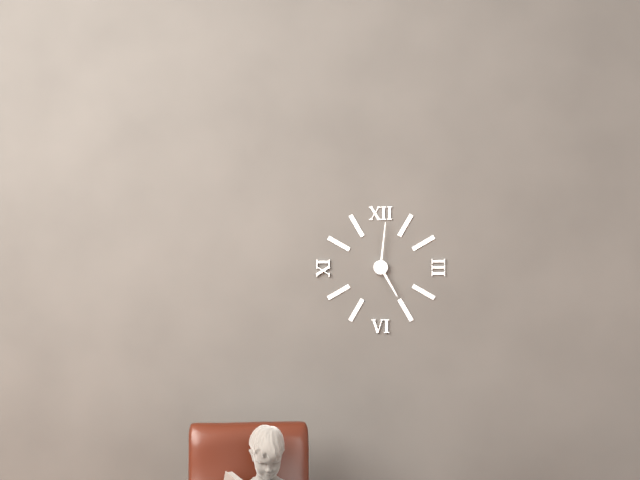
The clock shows 5.01
